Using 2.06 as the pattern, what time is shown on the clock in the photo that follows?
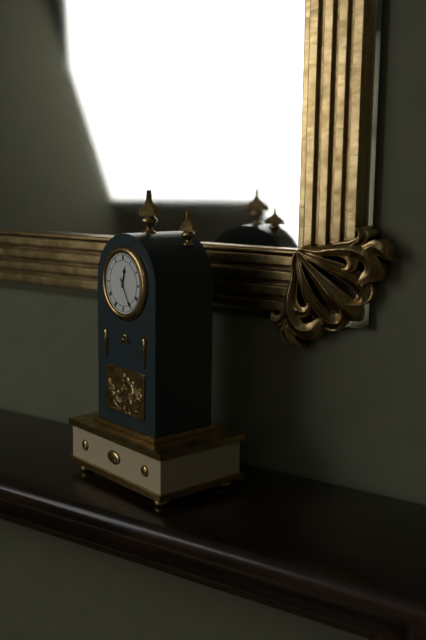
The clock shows 12.25
